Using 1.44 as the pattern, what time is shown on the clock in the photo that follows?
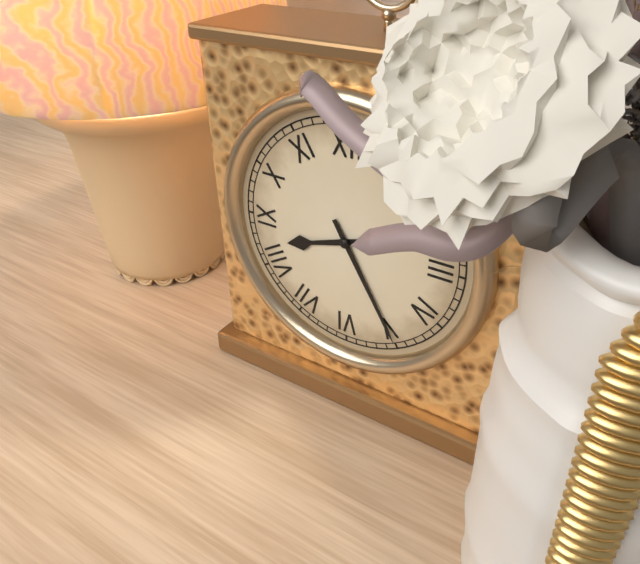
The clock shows 8.25
